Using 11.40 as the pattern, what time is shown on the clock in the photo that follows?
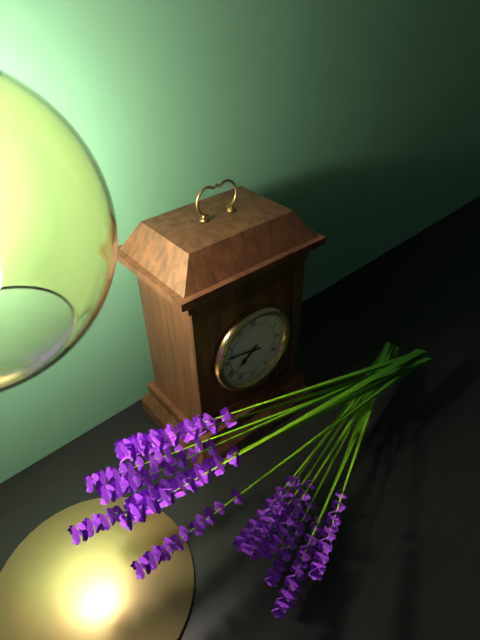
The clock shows 7.47
